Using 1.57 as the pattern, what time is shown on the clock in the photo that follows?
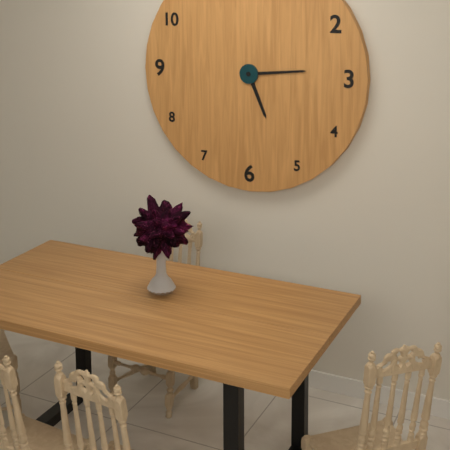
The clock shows 5.14
